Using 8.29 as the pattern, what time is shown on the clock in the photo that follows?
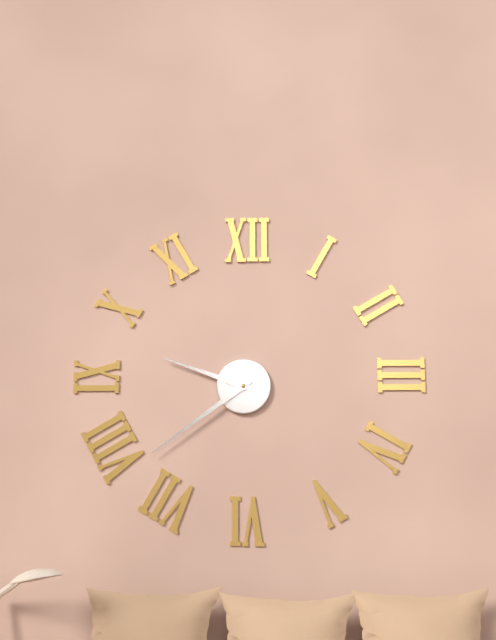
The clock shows 9.39
